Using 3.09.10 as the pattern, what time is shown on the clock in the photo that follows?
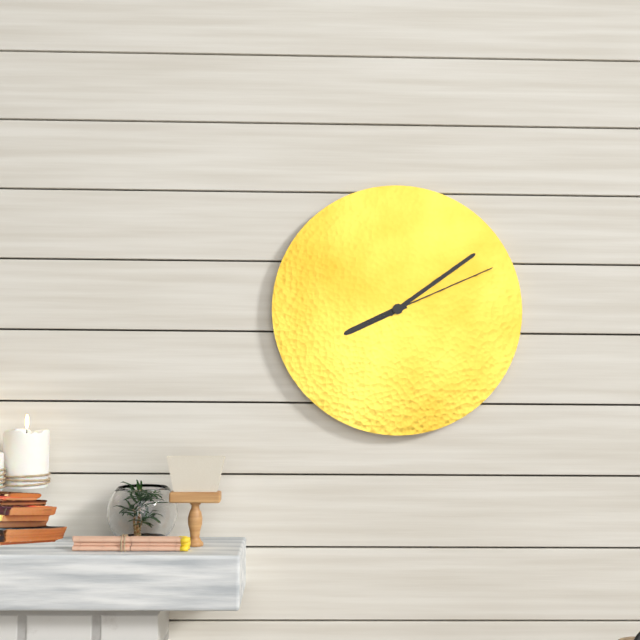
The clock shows 8.09.11
